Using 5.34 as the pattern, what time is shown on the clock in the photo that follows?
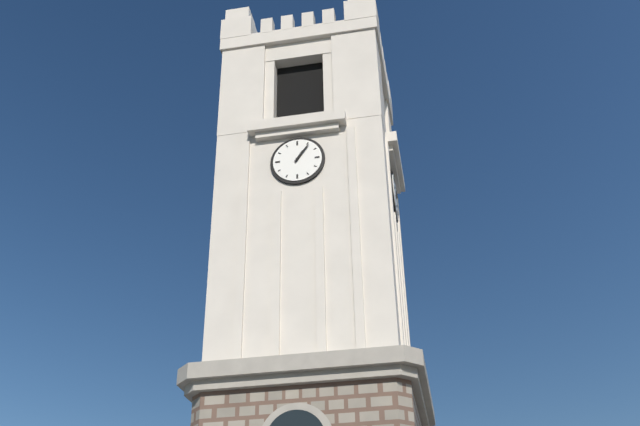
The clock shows 1.06
